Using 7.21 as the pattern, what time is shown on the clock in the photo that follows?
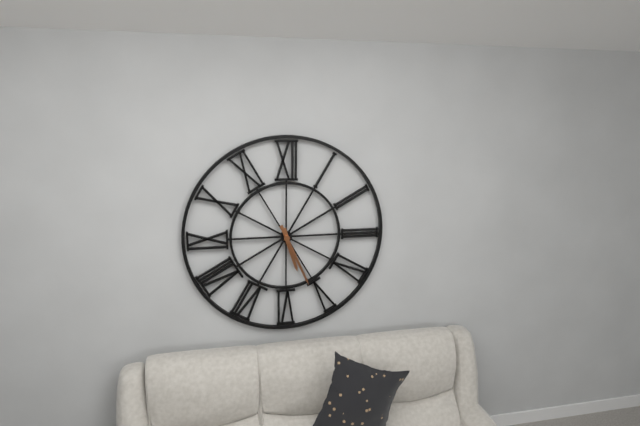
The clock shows 5.26
